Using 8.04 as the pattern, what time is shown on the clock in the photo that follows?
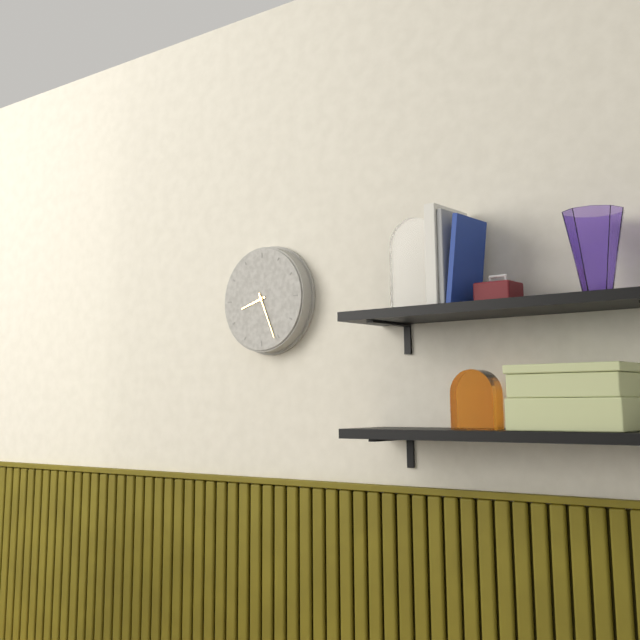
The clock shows 8.26
